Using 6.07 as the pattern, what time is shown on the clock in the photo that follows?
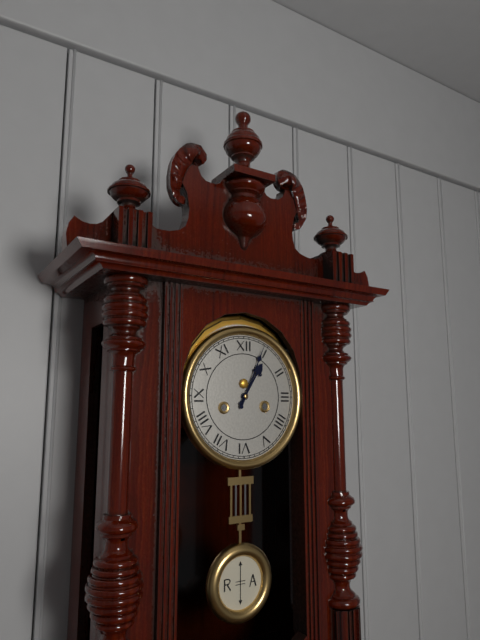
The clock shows 1.04
